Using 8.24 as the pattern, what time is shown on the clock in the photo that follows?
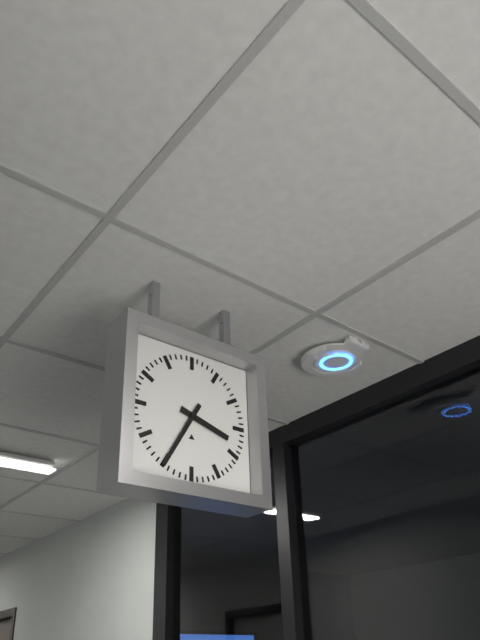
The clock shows 3.35
